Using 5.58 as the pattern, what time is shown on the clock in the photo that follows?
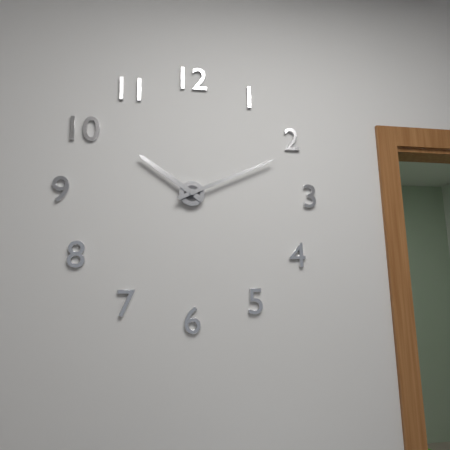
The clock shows 10.11
